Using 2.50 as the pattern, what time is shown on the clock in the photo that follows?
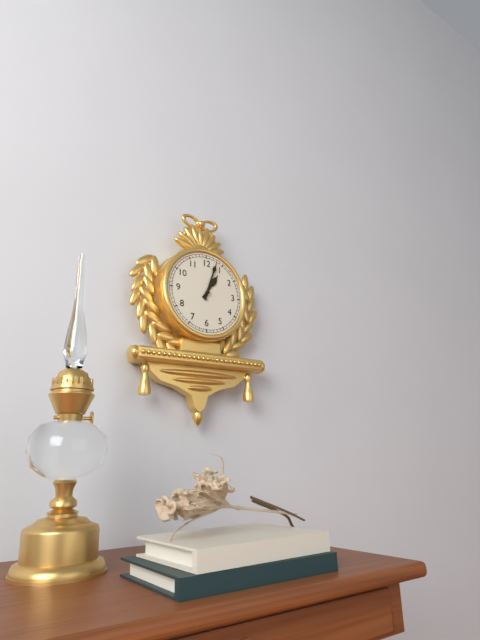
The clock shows 1.03
